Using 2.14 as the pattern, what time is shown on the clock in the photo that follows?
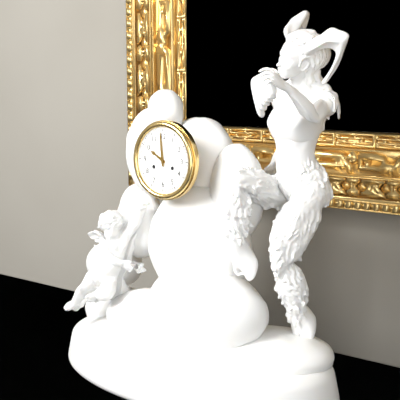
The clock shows 9.59
